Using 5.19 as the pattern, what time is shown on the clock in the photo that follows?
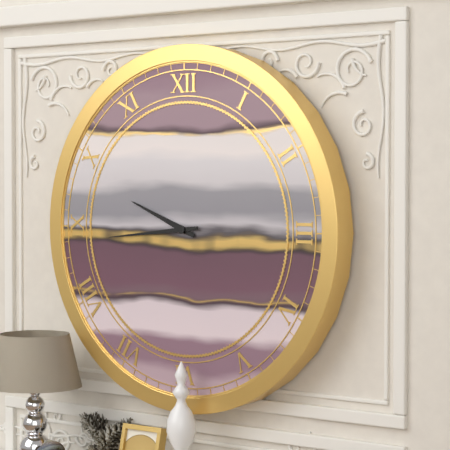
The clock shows 9.44
